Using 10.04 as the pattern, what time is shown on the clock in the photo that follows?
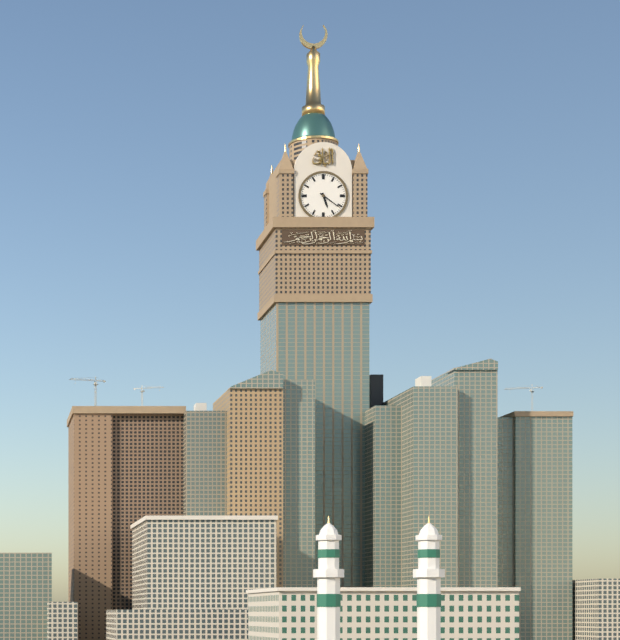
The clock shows 5.21
